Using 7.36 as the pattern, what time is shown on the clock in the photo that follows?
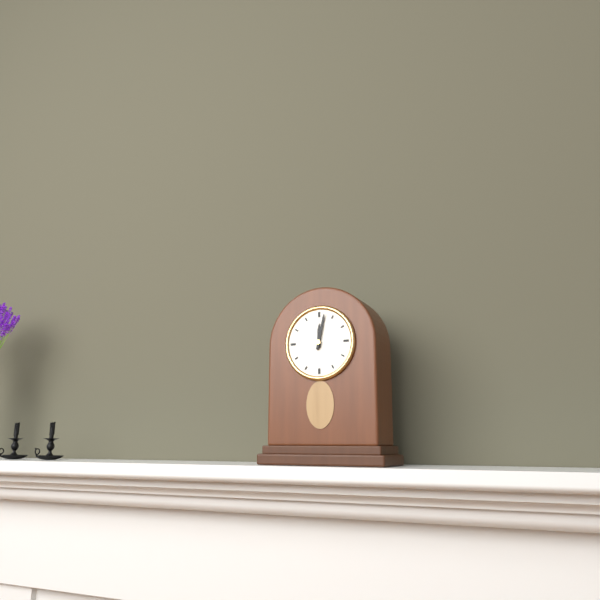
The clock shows 12.02
